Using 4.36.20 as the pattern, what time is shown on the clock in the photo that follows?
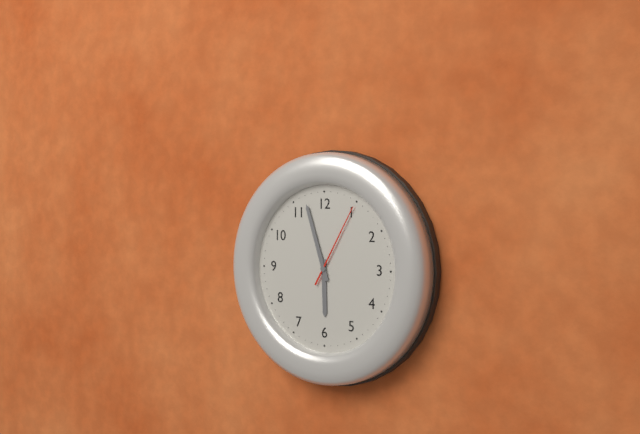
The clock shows 5.57.05
